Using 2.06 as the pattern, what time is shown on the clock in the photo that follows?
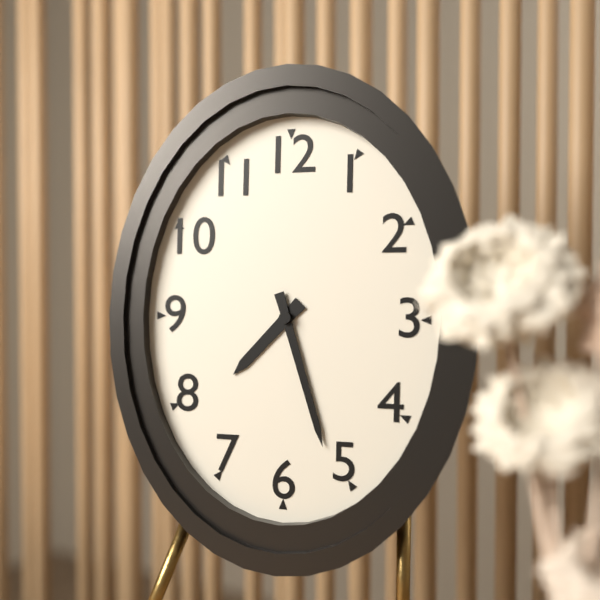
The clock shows 7.27
